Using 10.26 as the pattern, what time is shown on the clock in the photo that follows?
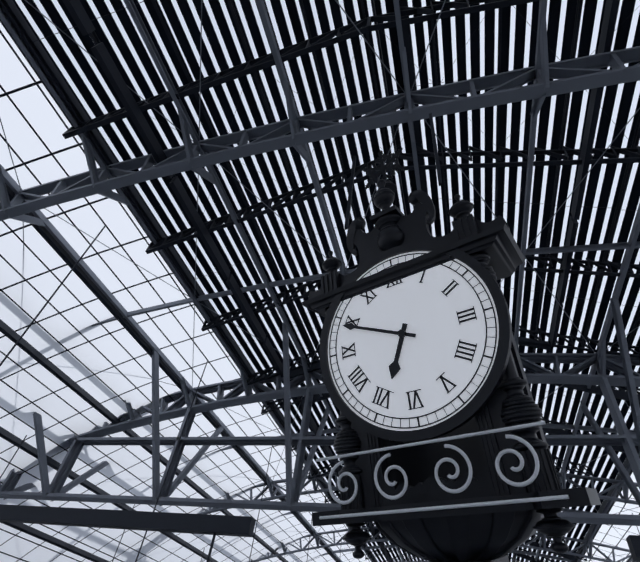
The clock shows 6.49
